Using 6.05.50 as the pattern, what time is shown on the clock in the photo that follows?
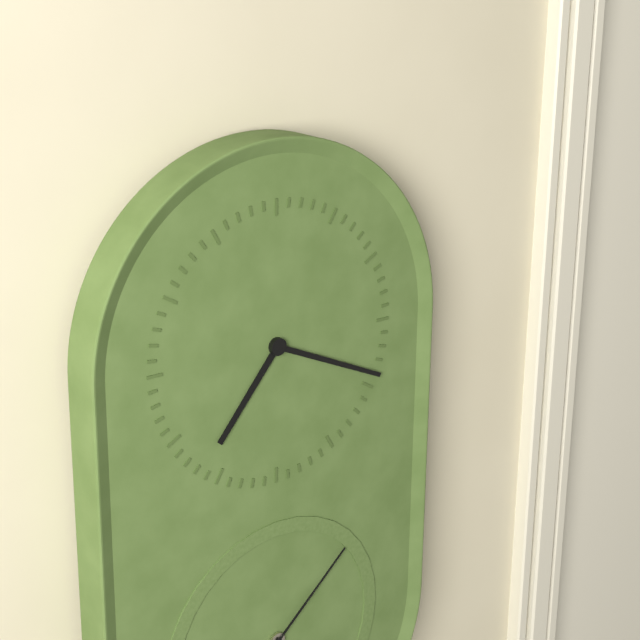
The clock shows 7.19.08
